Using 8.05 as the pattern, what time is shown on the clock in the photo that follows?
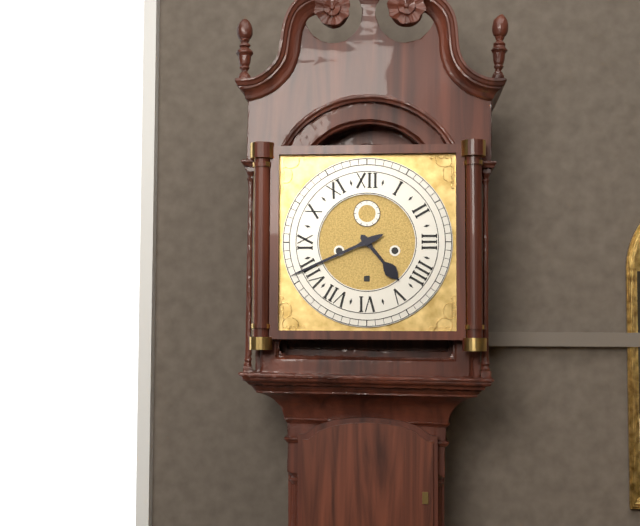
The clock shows 4.41
